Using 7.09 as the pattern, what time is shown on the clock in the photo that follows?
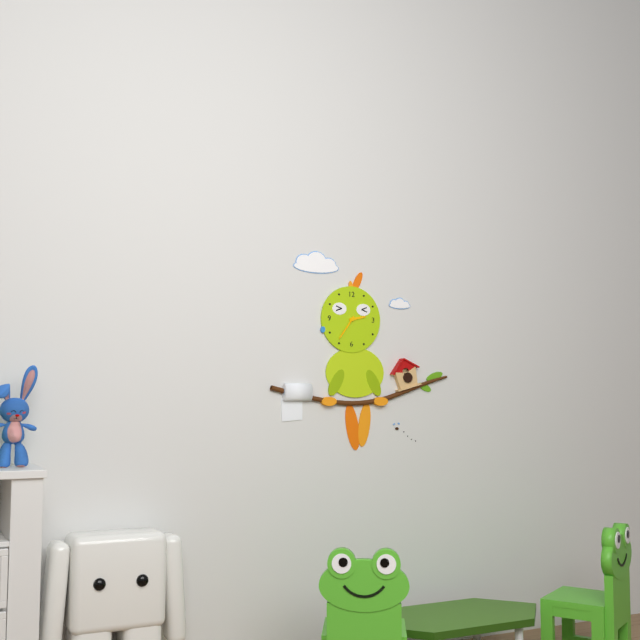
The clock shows 2.36
